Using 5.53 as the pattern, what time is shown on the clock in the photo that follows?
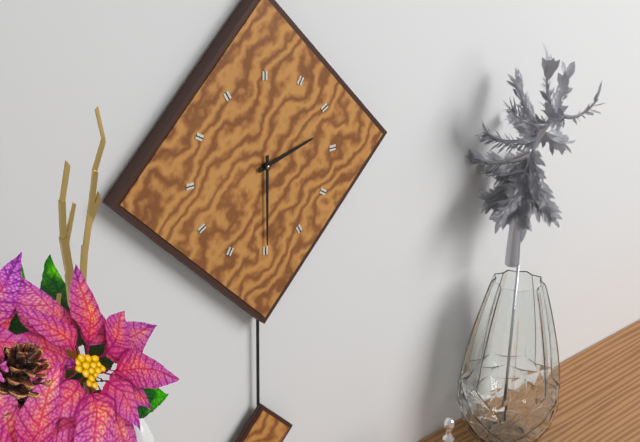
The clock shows 2.30
